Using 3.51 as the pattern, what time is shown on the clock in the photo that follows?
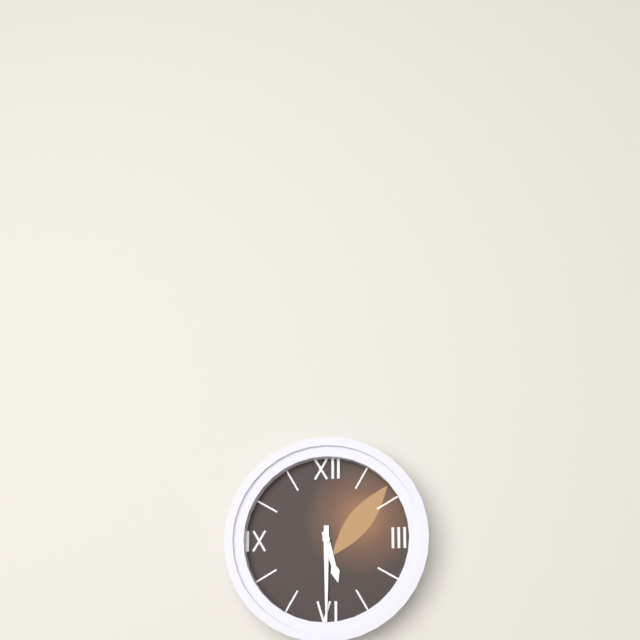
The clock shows 5.30
